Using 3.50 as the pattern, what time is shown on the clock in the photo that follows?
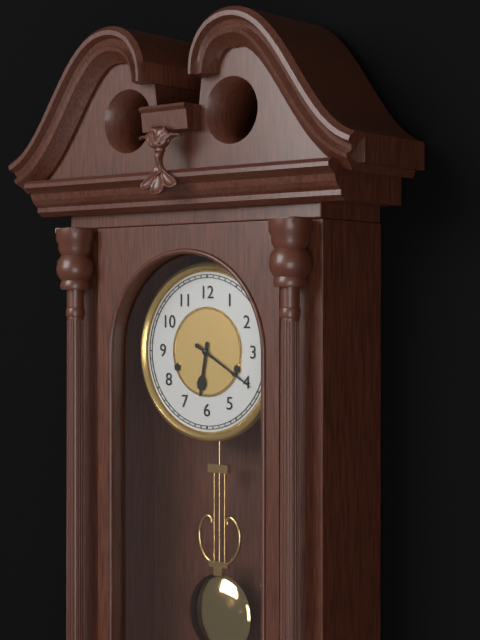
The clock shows 6.20
